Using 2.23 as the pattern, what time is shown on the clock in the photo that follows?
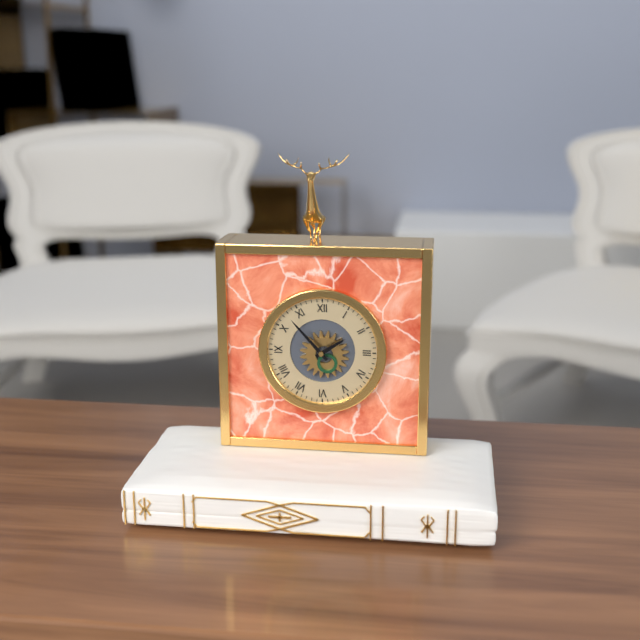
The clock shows 1.53
